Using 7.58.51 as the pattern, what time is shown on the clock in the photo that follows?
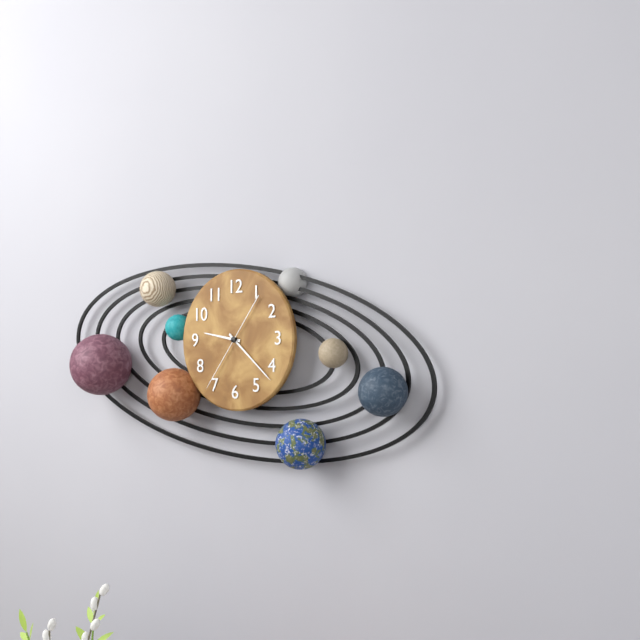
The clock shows 9.22.36
